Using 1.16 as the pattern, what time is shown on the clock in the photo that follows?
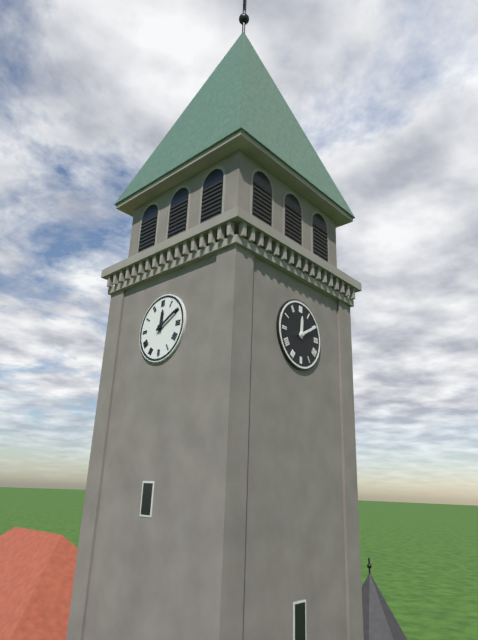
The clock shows 12.10
